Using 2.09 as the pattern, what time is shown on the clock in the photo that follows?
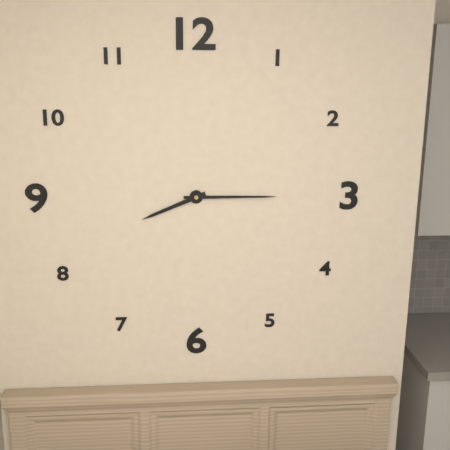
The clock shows 8.15
